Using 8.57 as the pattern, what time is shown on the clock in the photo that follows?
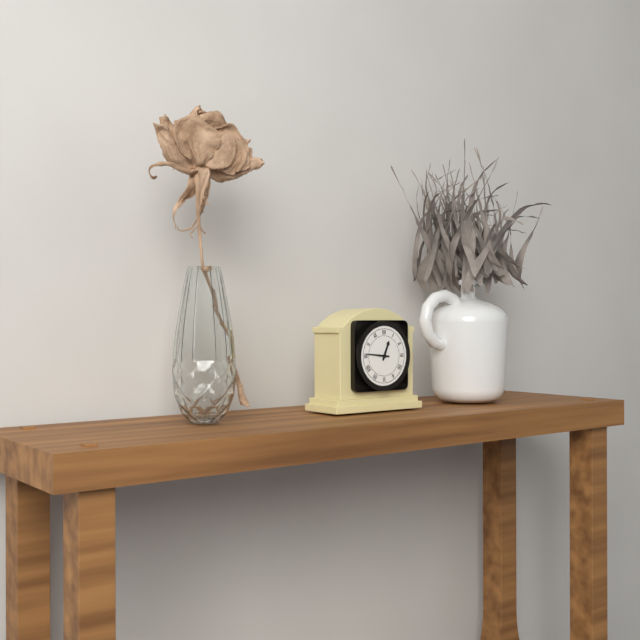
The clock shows 12.46
